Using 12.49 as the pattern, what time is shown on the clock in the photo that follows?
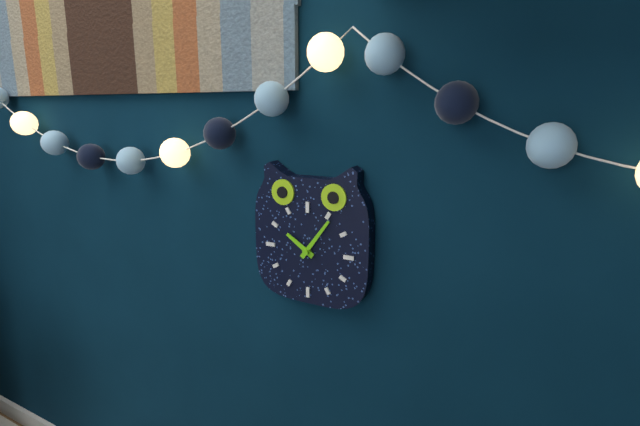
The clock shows 10.06
